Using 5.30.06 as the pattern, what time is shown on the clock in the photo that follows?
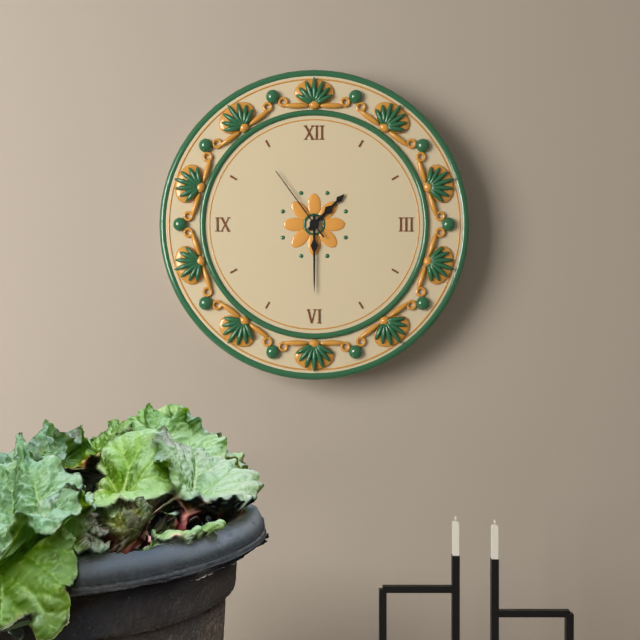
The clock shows 1.30.54
